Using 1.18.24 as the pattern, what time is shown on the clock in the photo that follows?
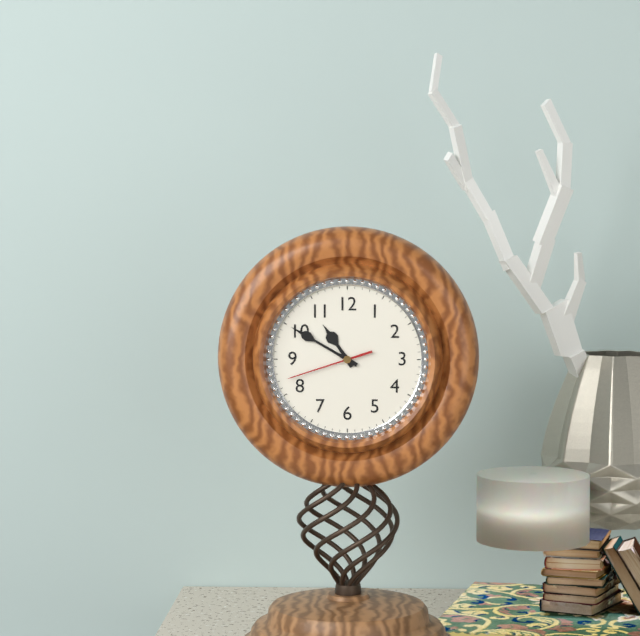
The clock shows 10.50.42
